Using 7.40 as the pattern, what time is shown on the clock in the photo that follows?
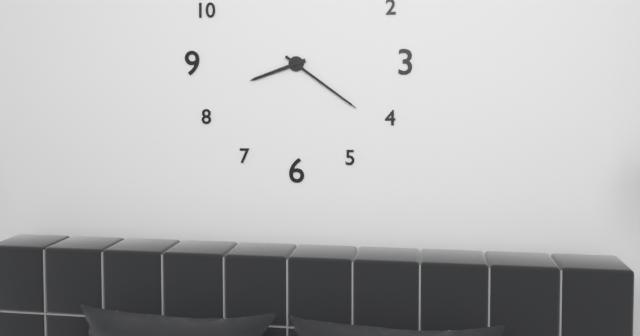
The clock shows 8.21
